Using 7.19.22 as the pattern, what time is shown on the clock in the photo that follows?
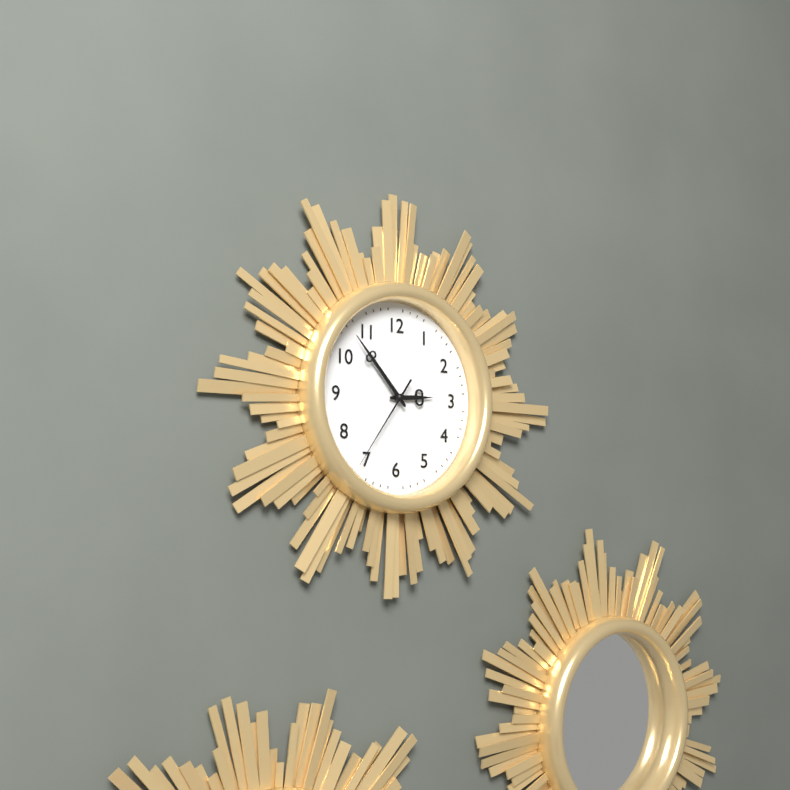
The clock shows 2.53.36
